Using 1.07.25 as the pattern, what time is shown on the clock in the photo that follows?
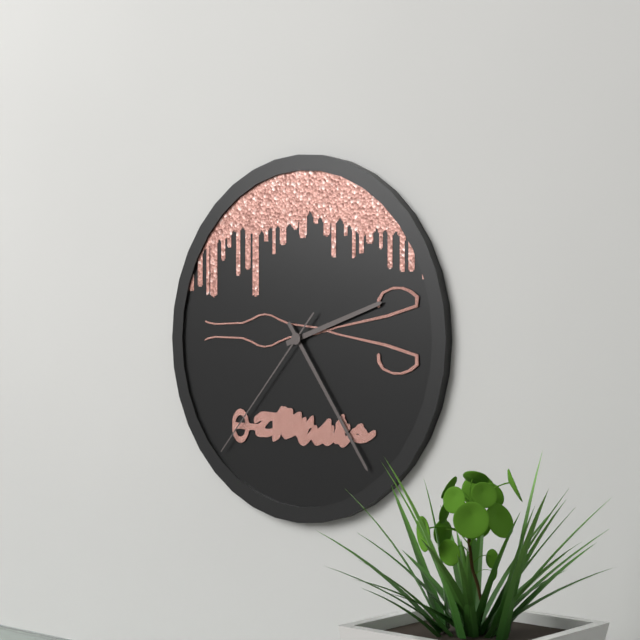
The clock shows 2.24.37
